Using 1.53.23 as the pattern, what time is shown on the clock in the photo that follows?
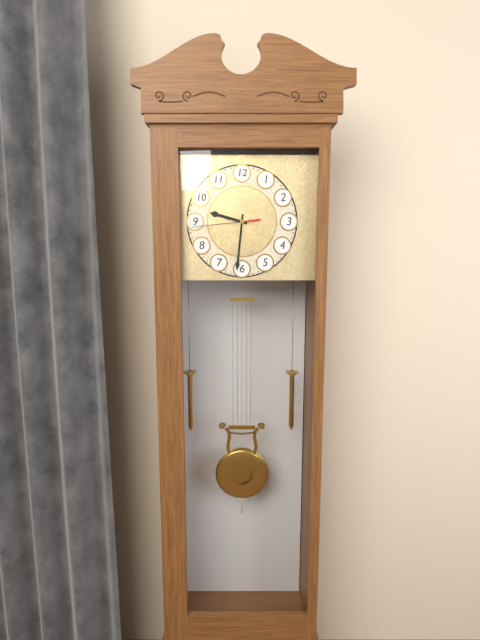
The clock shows 9.31.44
